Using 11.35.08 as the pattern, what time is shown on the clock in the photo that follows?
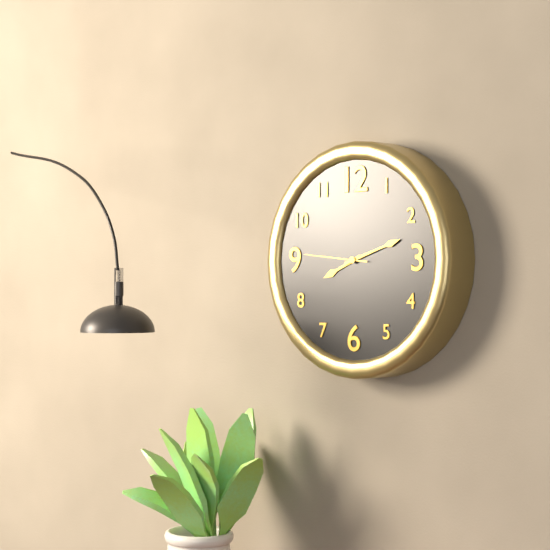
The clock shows 8.12.46
